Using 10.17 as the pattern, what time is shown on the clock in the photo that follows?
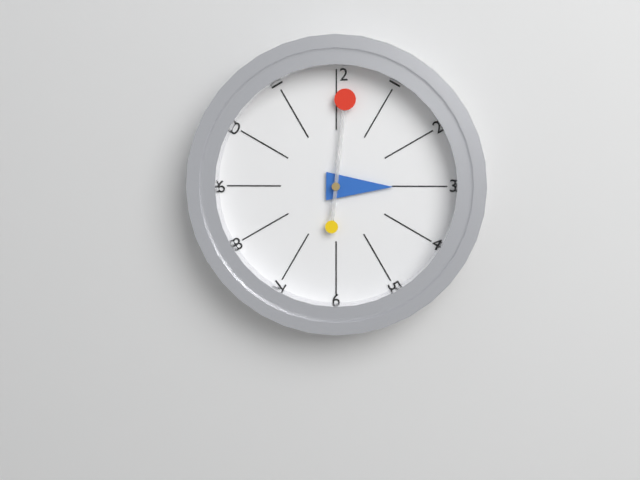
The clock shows 3.01
